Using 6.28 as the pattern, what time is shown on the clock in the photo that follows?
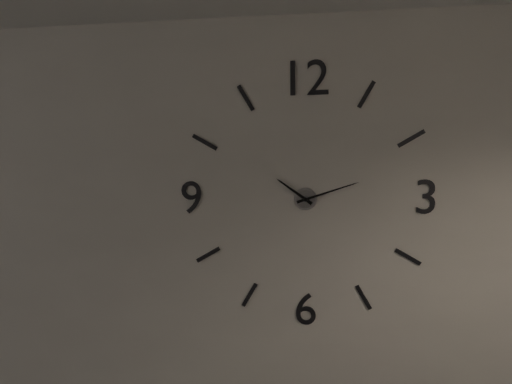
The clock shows 10.12
